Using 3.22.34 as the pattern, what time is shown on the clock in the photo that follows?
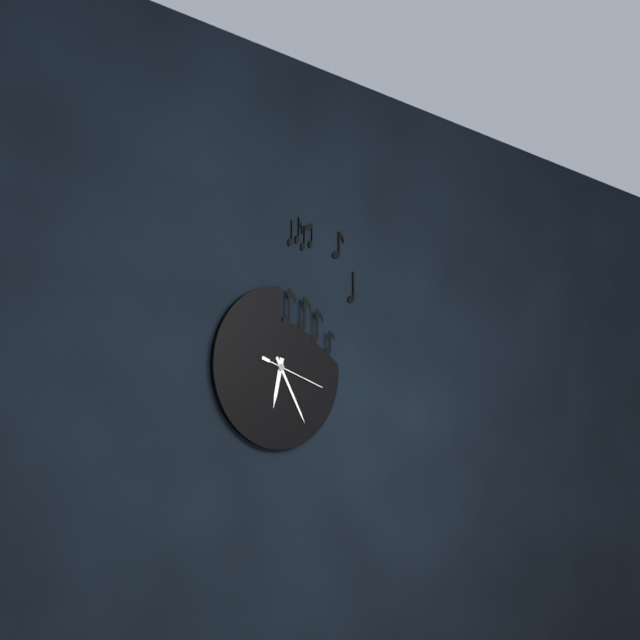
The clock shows 6.25.18
